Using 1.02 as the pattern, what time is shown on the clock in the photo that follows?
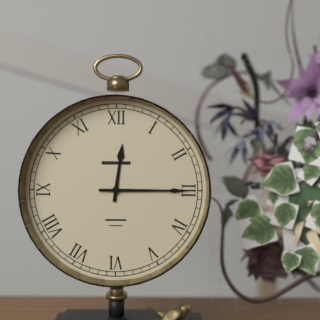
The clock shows 12.15
